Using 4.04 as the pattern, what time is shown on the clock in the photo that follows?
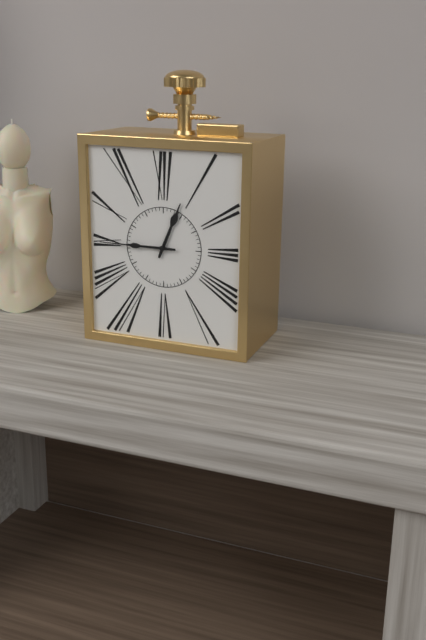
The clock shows 12.45
